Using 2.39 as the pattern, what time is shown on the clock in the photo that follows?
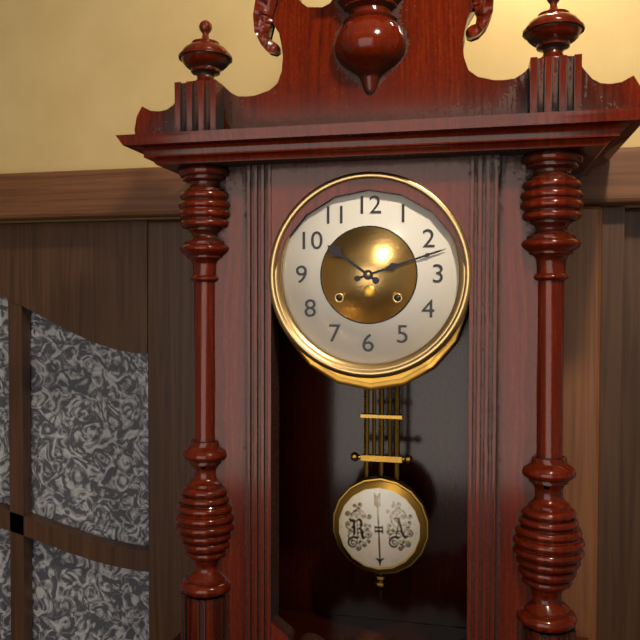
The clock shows 10.12
